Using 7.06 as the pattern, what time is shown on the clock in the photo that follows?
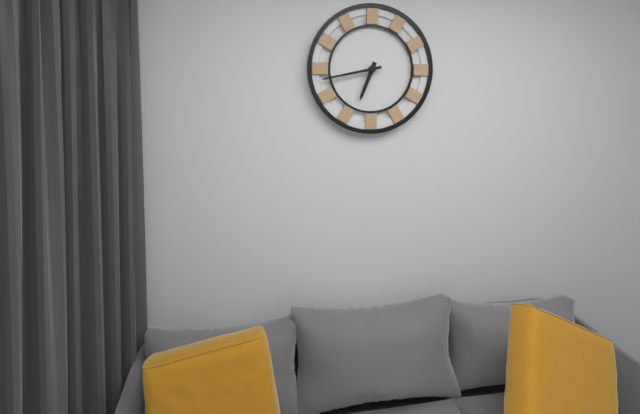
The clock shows 6.43
